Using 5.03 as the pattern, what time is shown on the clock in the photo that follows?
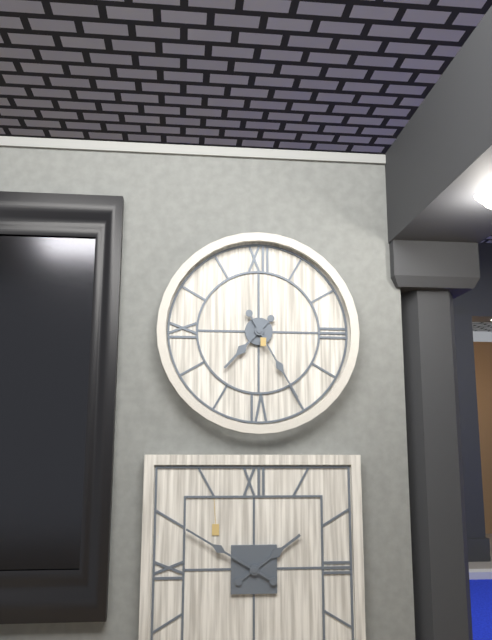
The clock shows 7.25
